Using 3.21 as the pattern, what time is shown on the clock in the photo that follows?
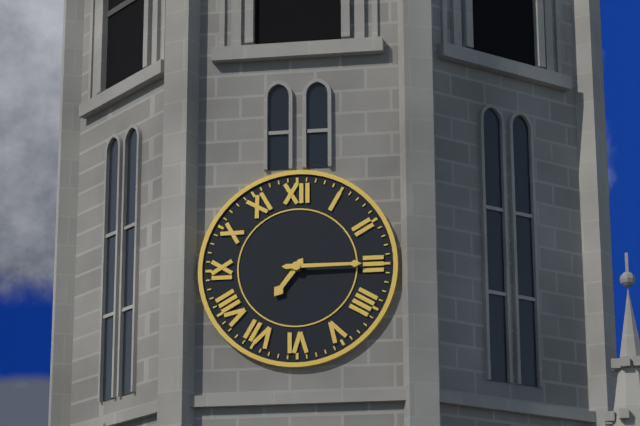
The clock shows 7.15
